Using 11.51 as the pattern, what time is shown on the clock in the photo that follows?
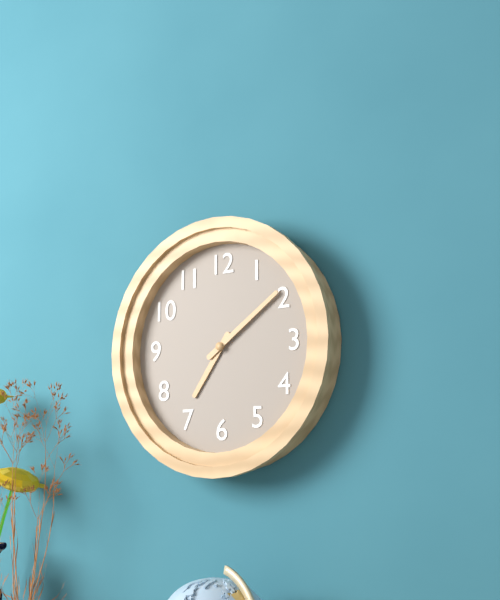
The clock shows 7.09
